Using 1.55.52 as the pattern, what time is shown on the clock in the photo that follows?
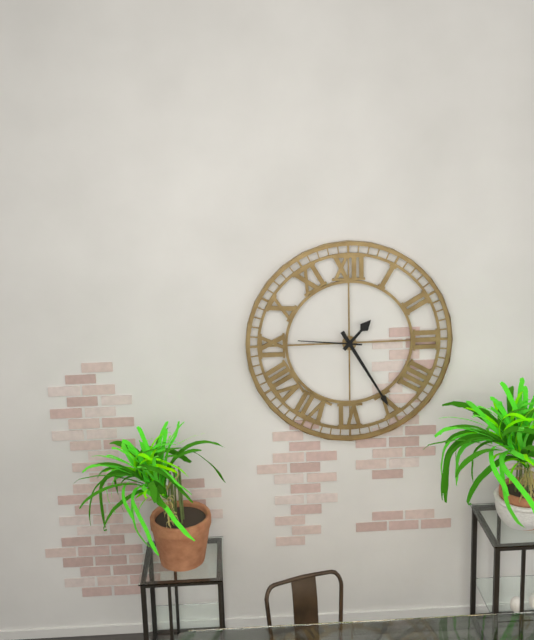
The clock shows 1.25.46
